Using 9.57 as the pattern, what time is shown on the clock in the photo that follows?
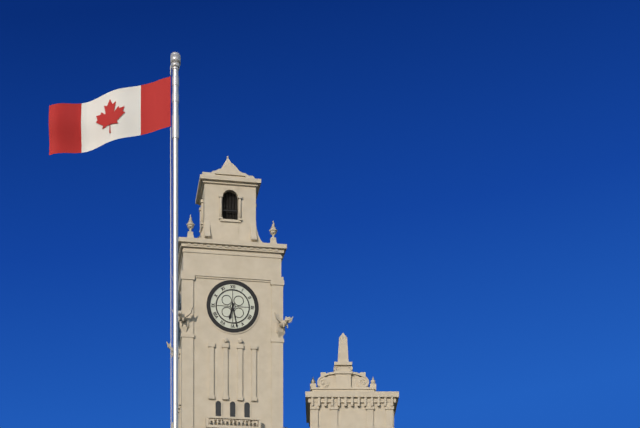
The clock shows 6.28
